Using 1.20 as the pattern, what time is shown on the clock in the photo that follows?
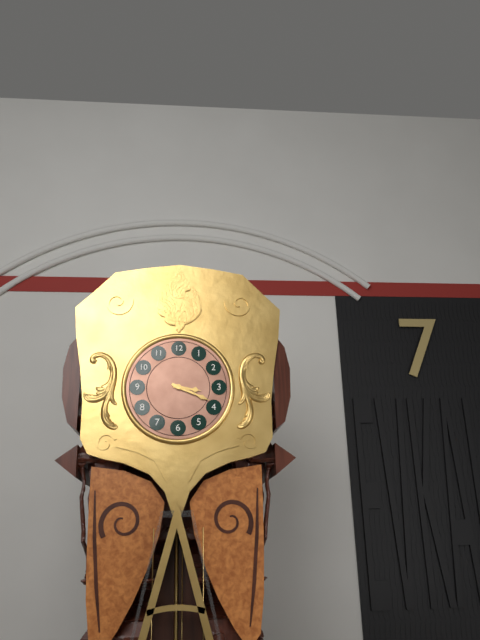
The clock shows 3.19
